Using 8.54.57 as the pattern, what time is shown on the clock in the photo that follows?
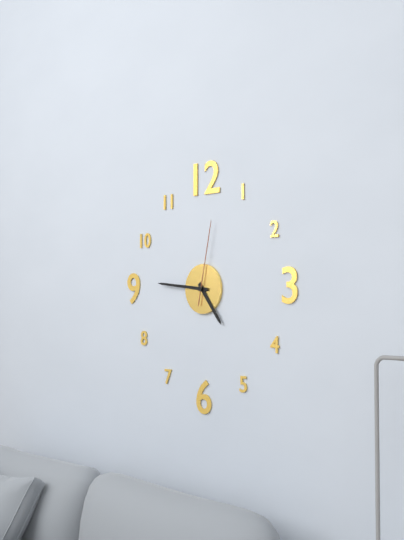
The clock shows 4.46.02
